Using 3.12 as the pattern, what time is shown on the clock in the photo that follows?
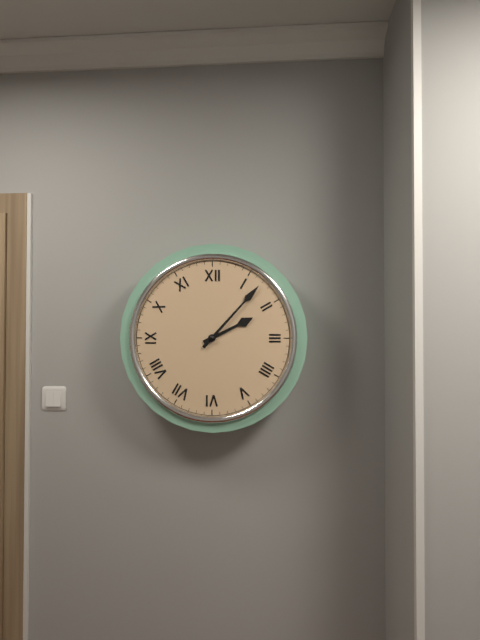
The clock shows 2.07
